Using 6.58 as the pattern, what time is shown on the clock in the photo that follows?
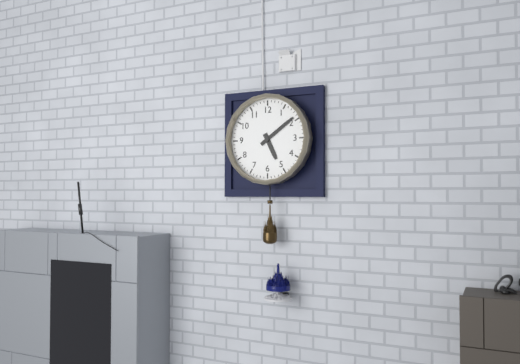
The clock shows 5.09
